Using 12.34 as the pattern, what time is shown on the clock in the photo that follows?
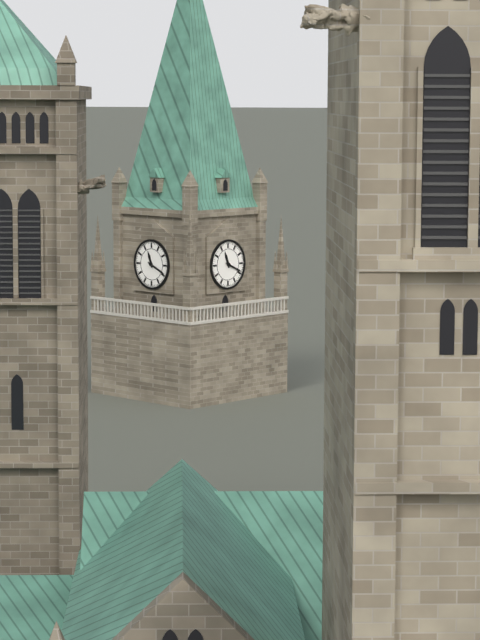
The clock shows 11.19
